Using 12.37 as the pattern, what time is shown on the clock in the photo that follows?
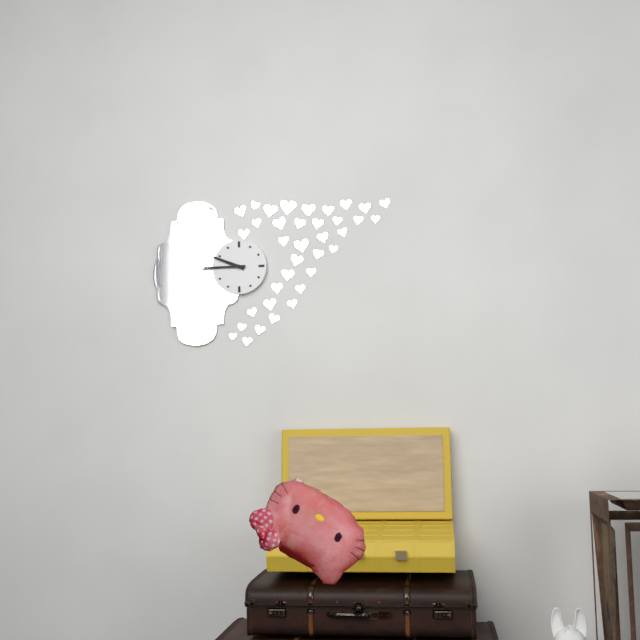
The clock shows 9.45
